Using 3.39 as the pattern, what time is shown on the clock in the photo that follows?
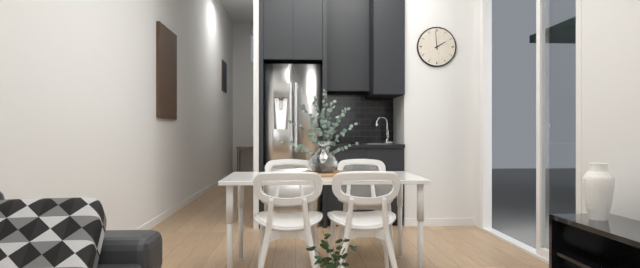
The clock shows 1.59
